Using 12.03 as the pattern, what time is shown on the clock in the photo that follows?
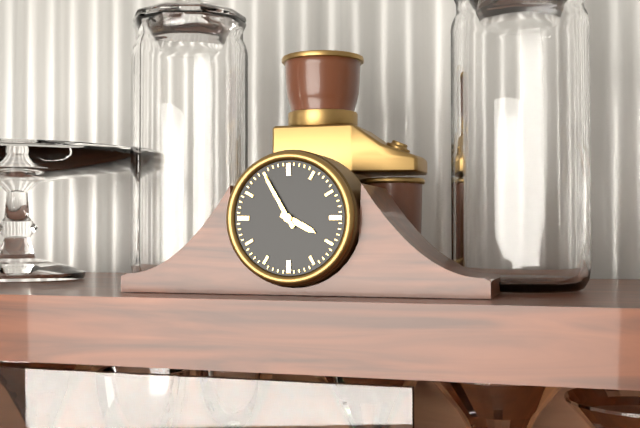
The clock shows 3.55
